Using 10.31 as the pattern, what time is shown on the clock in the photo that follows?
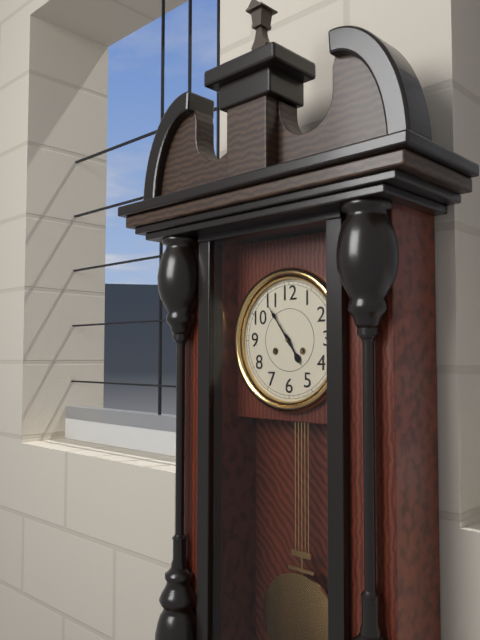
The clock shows 4.54
